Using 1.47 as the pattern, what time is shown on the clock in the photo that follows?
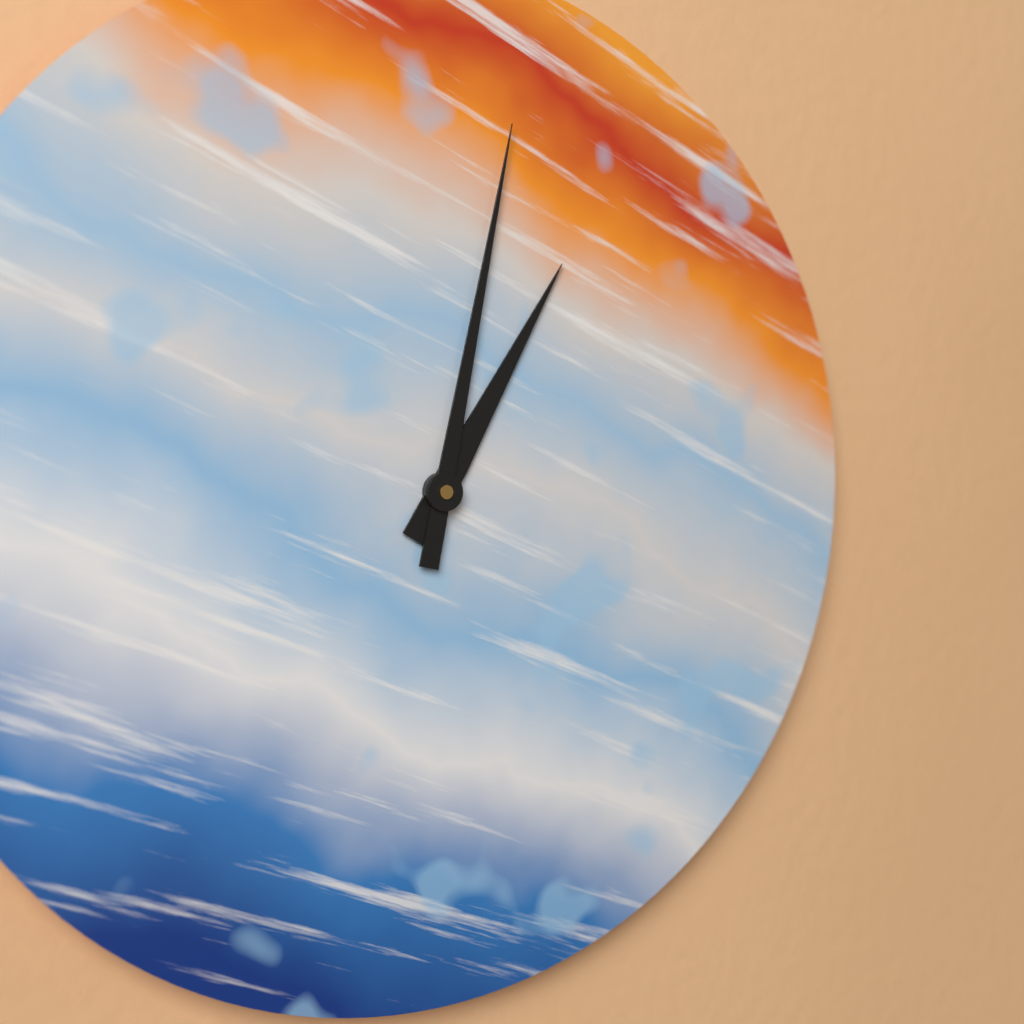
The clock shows 1.02
